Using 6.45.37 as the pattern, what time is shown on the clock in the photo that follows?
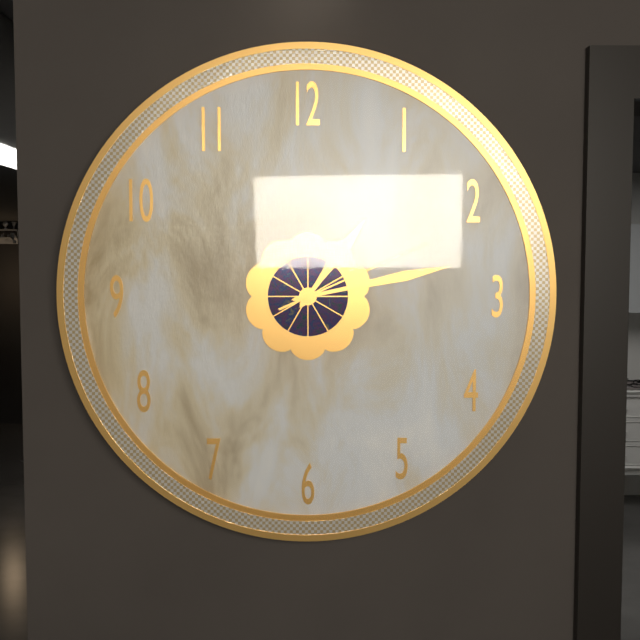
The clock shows 1.13.11
